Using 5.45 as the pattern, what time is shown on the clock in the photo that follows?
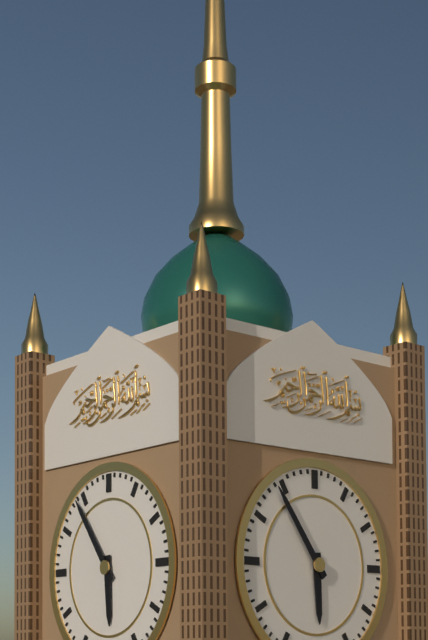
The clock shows 5.54
